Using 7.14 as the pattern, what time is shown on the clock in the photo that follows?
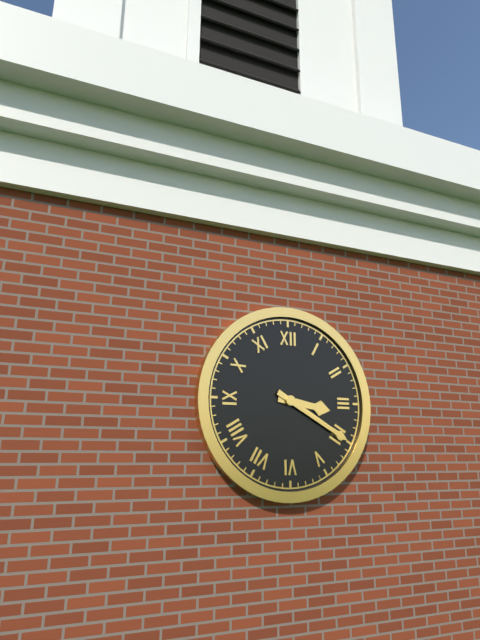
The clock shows 3.20
